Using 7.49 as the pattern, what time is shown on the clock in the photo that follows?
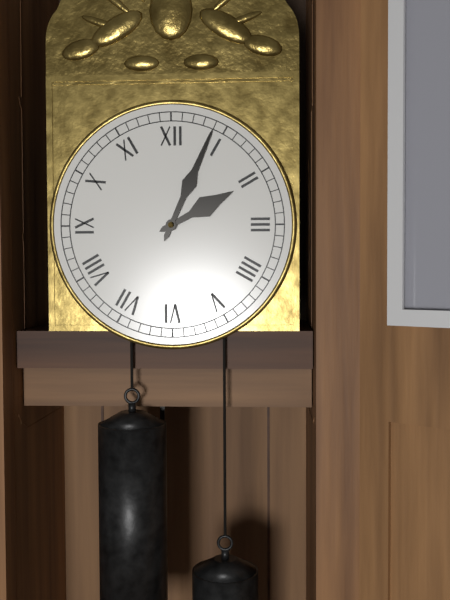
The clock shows 2.04
